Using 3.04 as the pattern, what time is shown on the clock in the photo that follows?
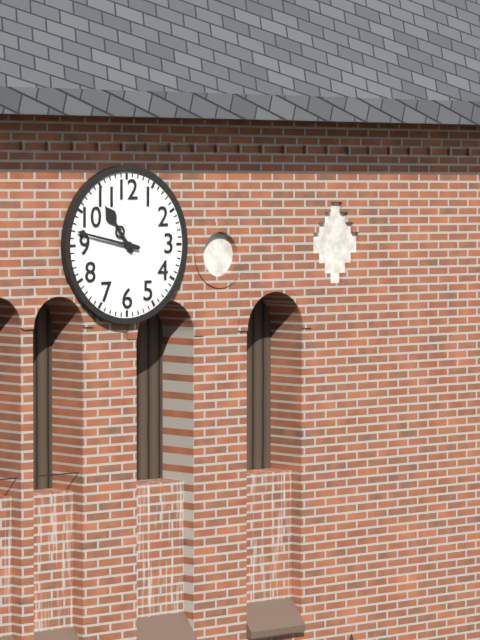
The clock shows 10.47
